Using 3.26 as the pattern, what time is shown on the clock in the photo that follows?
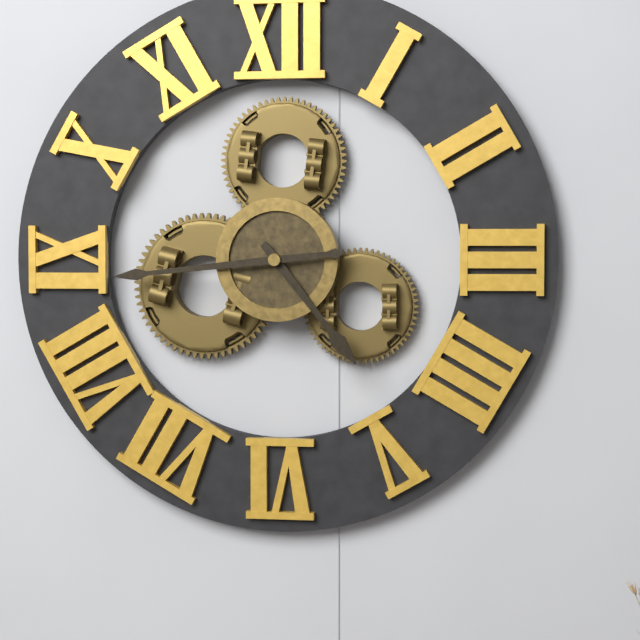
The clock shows 4.44
